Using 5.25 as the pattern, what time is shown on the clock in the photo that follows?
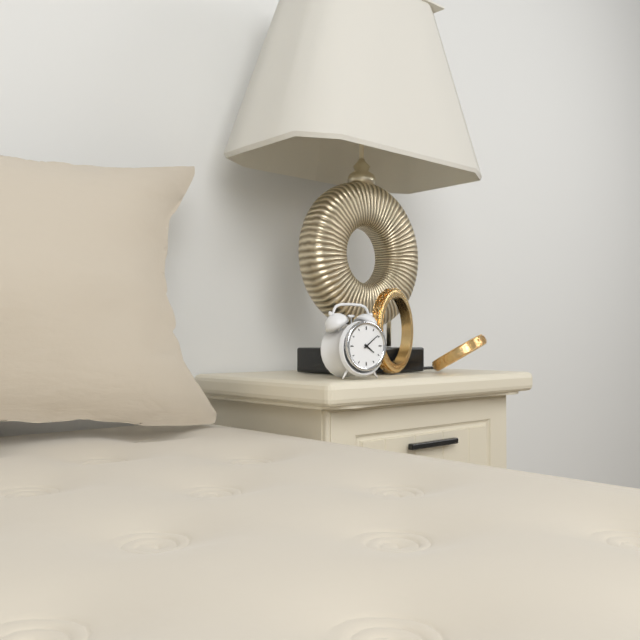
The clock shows 4.09
